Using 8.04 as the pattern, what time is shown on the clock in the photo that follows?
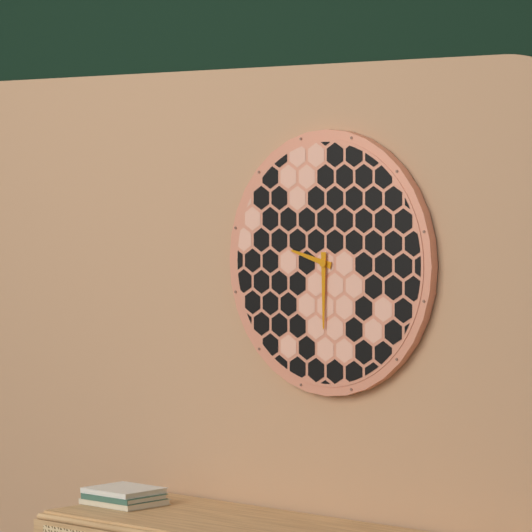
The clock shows 9.30
